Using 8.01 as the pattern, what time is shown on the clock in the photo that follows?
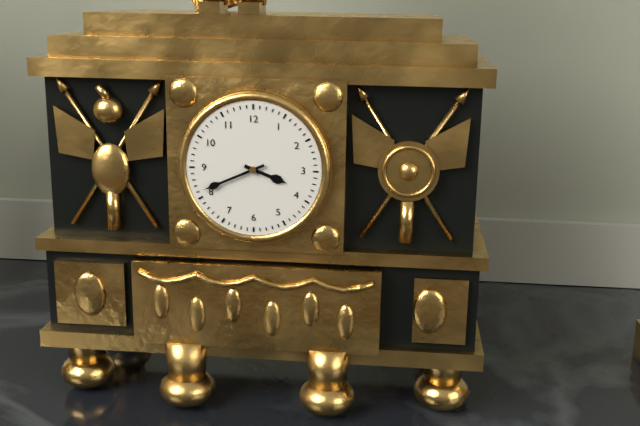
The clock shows 3.41
